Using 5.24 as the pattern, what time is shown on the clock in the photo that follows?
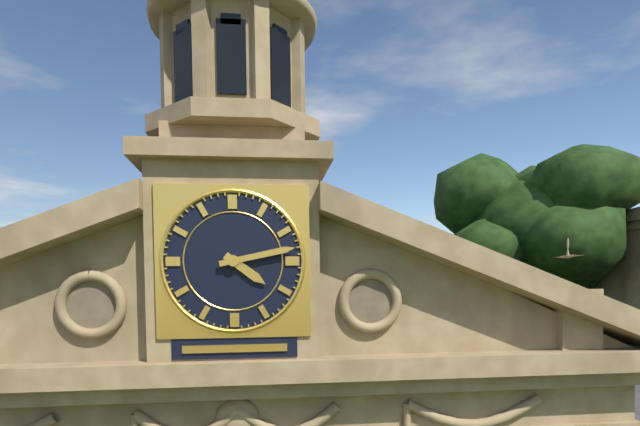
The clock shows 4.13
